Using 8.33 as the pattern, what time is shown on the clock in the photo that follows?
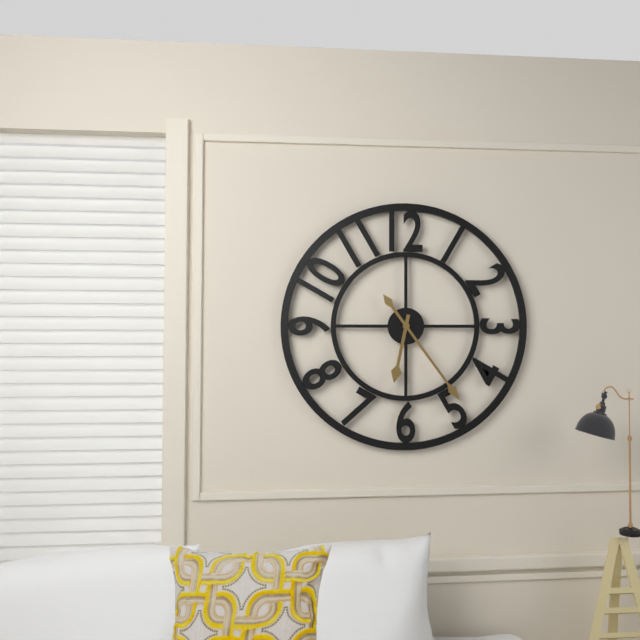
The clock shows 6.24
